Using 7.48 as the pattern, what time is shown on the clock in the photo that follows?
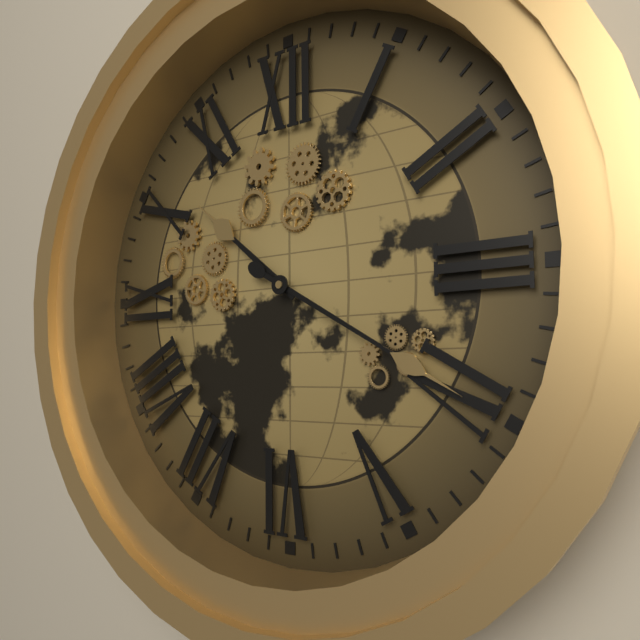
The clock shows 10.20
